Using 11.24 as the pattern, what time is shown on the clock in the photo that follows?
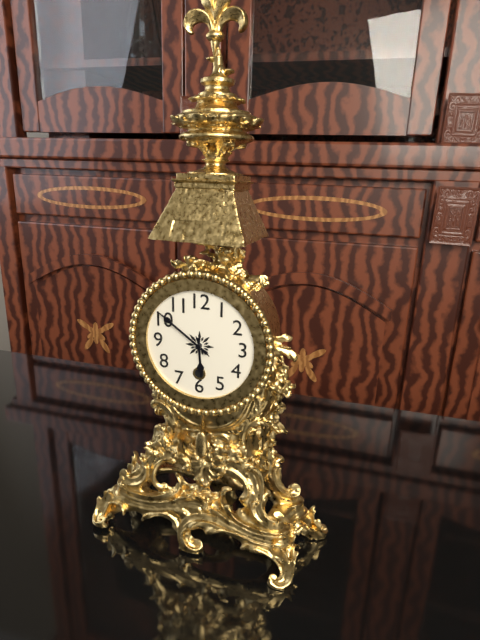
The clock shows 5.51
